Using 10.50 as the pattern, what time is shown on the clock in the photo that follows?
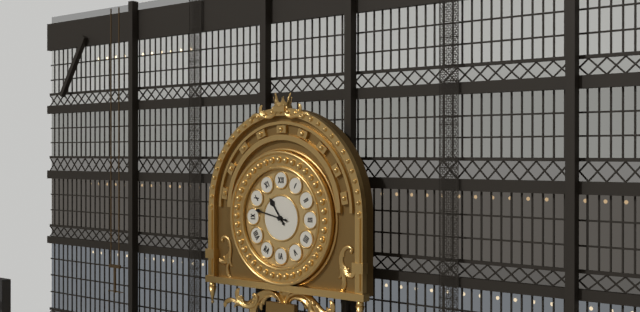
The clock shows 10.47
